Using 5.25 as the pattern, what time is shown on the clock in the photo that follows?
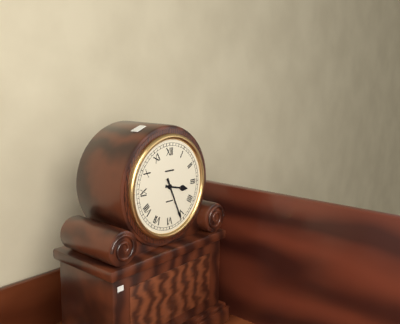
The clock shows 3.26
